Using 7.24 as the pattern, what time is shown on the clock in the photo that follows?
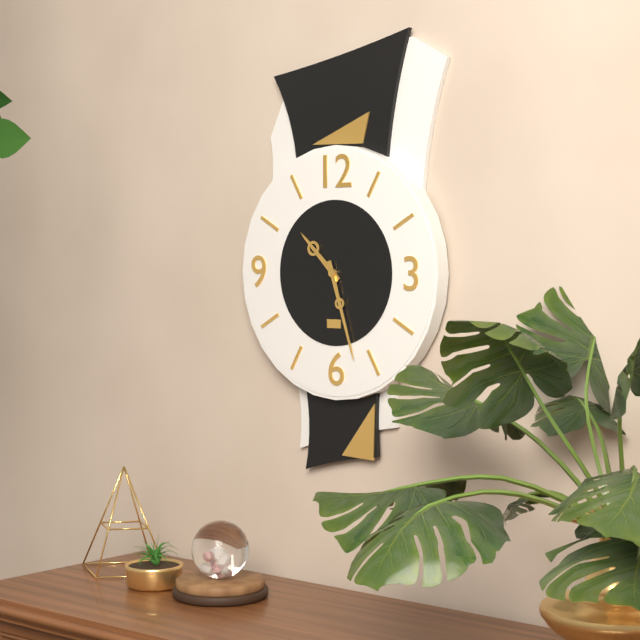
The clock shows 10.27
